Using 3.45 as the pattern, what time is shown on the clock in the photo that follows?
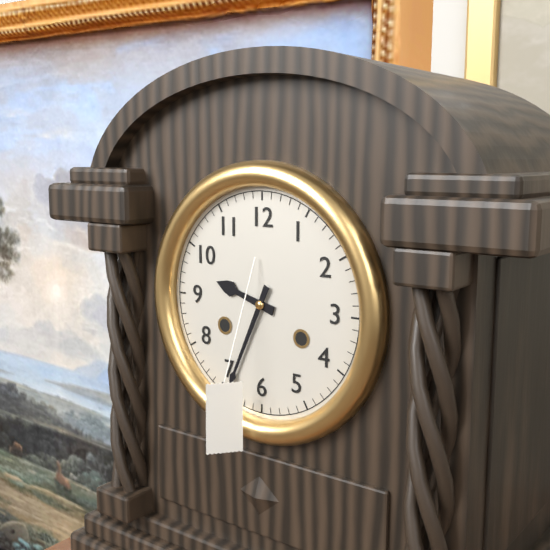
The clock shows 9.34
